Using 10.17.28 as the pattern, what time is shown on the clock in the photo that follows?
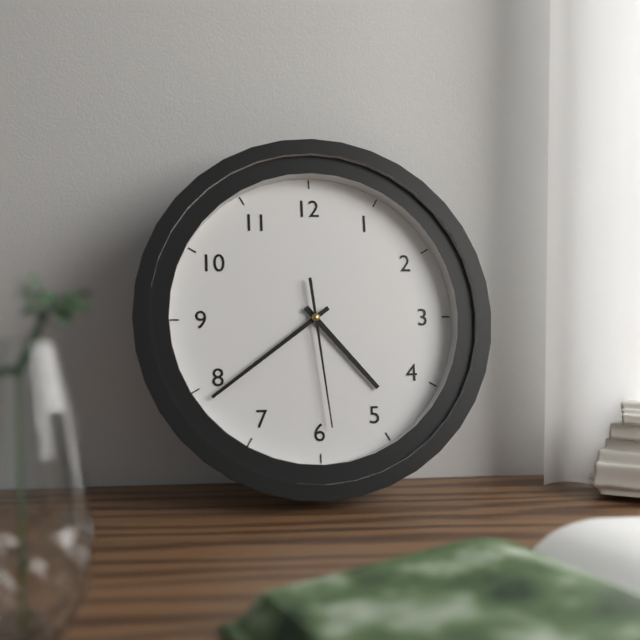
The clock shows 4.39.29
